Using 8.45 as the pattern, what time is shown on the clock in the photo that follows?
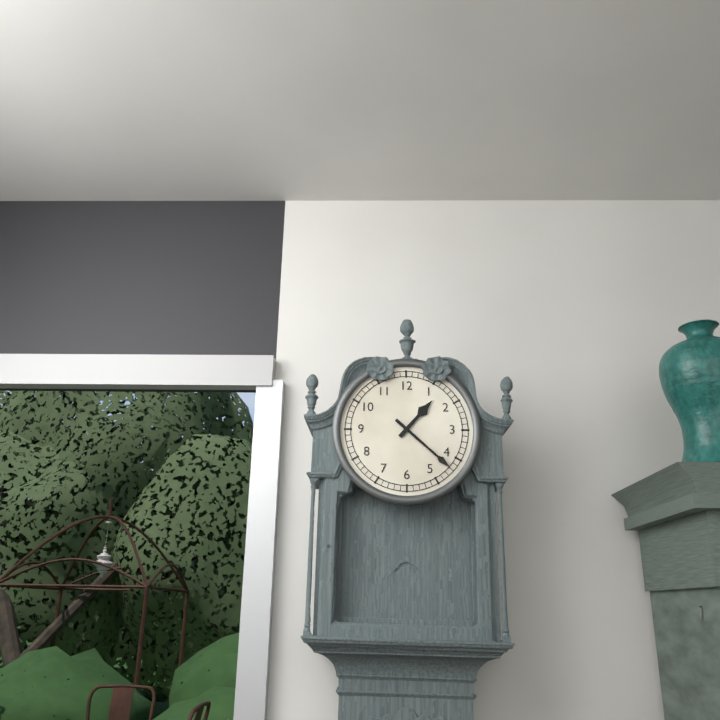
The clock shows 1.22
